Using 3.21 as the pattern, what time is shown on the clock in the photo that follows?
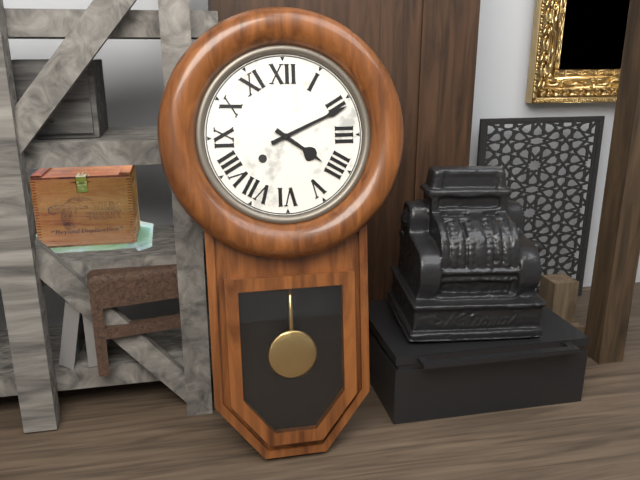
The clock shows 4.11
